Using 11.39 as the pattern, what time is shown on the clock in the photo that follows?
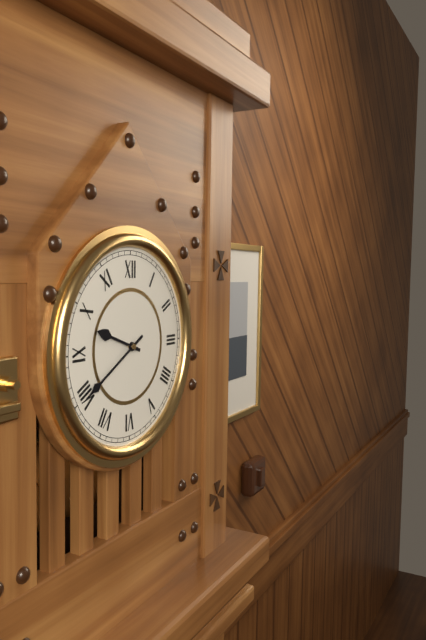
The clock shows 9.40
